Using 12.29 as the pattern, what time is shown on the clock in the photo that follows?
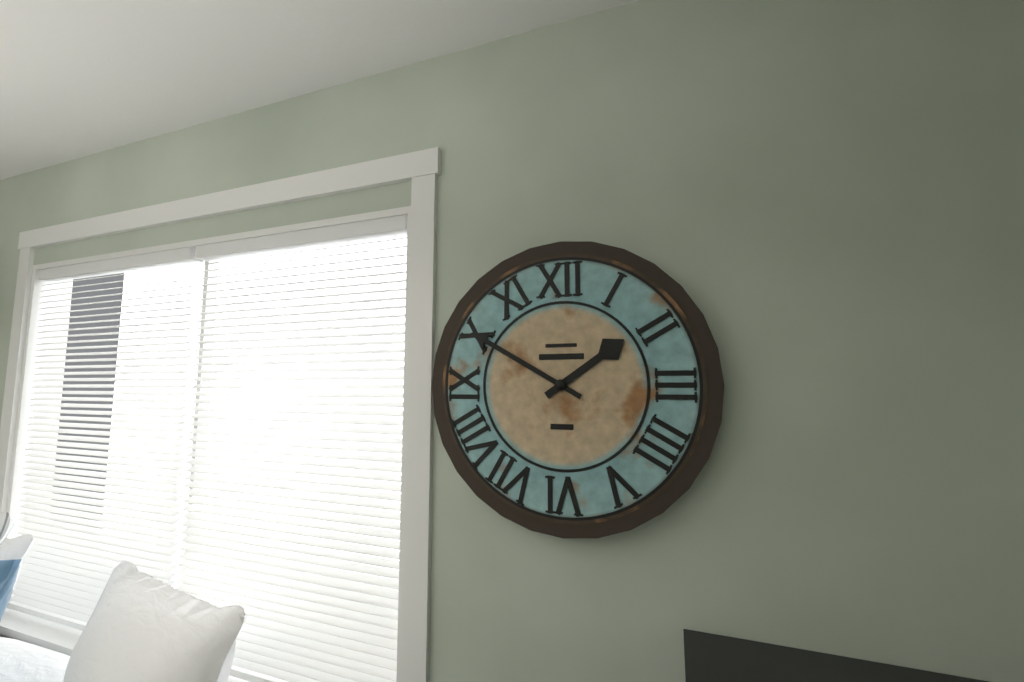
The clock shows 1.50
